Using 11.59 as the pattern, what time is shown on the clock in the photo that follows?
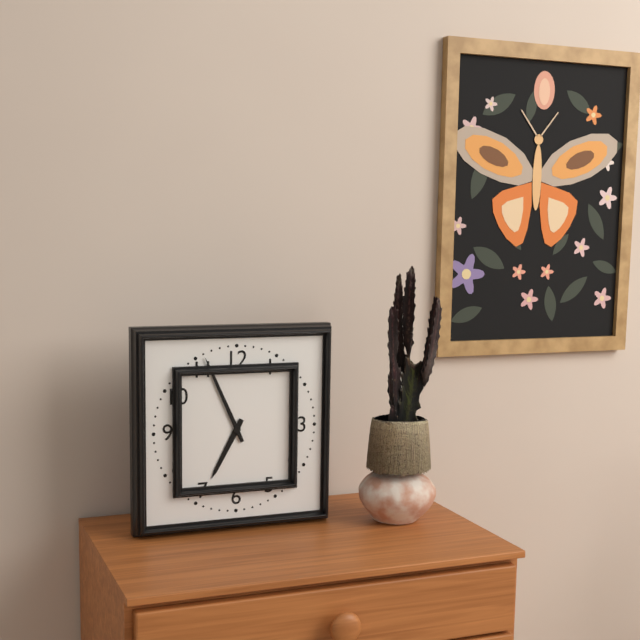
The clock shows 6.56
